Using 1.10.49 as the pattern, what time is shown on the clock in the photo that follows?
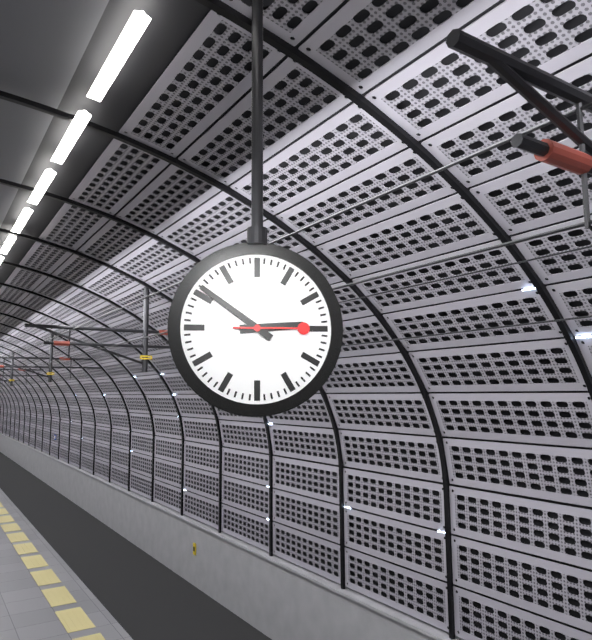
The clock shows 2.51.15
